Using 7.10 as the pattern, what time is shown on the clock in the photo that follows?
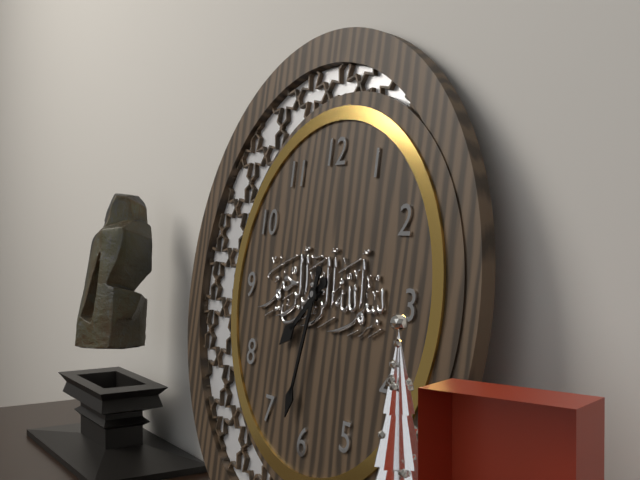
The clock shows 7.32
